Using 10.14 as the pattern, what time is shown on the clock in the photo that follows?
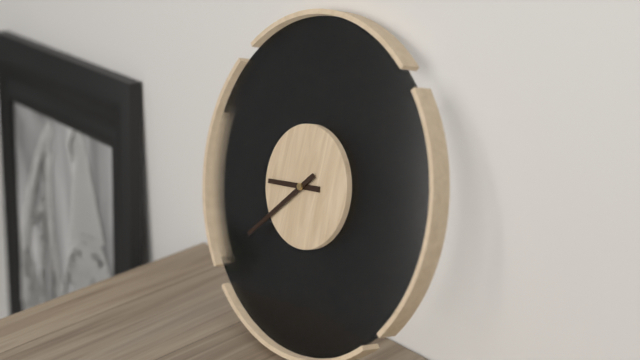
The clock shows 8.37
